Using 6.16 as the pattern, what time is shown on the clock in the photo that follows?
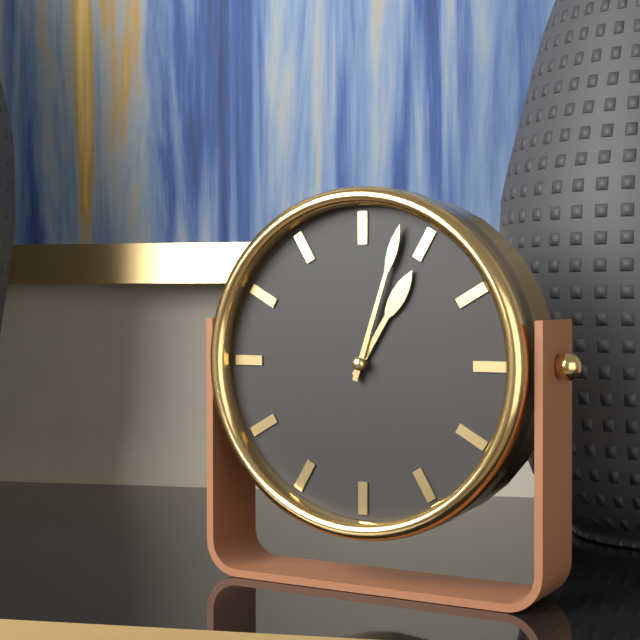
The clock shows 1.03
